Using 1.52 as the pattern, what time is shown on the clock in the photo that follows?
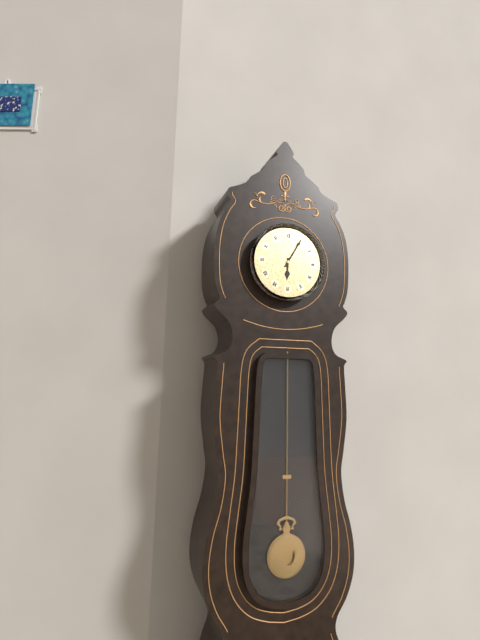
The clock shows 6.05
